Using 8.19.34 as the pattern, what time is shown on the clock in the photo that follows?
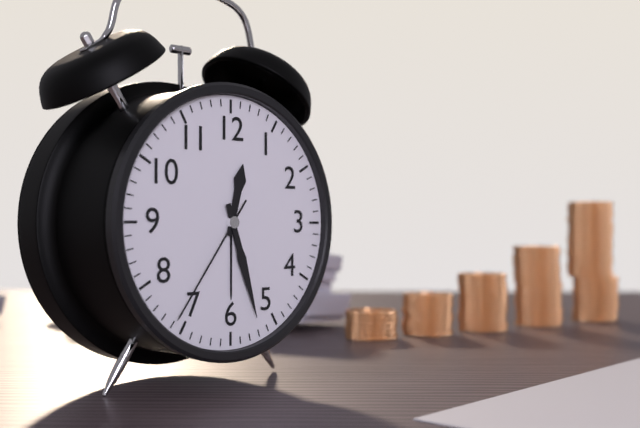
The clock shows 12.27.36
